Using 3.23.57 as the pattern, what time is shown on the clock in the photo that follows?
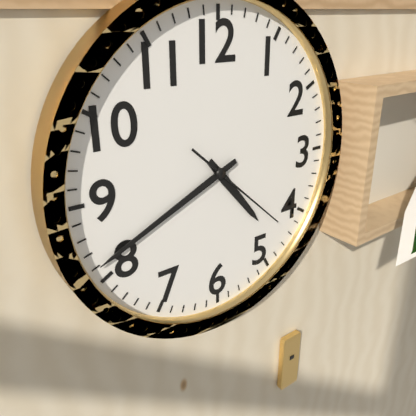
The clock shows 4.41.22
